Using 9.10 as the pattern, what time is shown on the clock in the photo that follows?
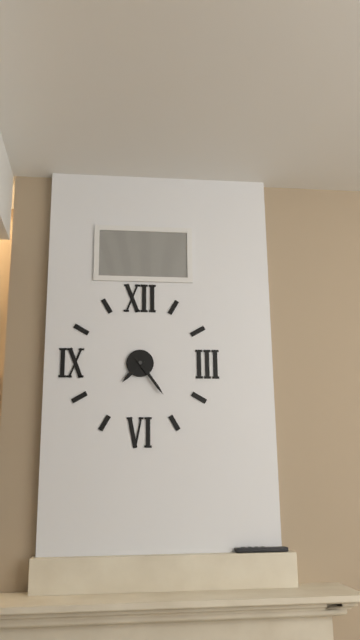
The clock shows 7.24
